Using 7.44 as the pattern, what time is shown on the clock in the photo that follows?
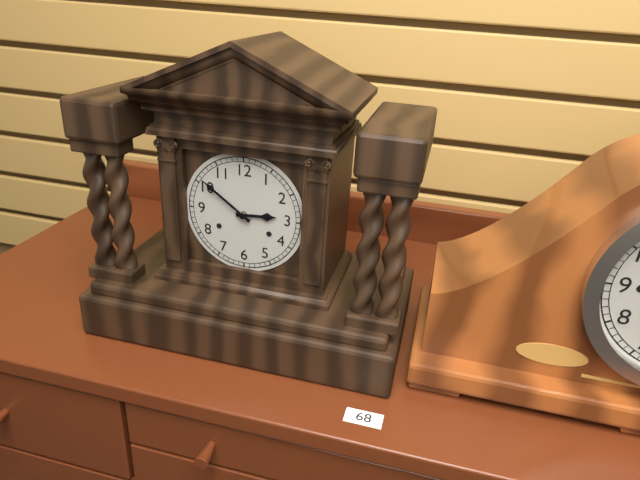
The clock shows 2.51
